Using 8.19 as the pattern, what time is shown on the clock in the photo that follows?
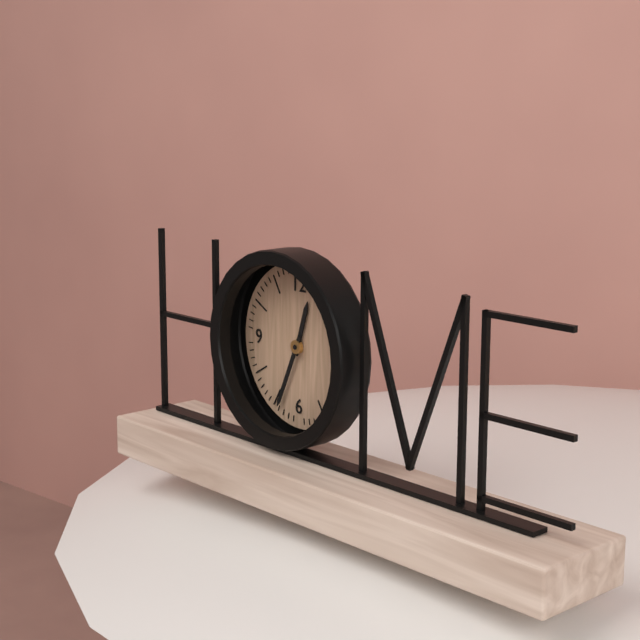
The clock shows 12.34
